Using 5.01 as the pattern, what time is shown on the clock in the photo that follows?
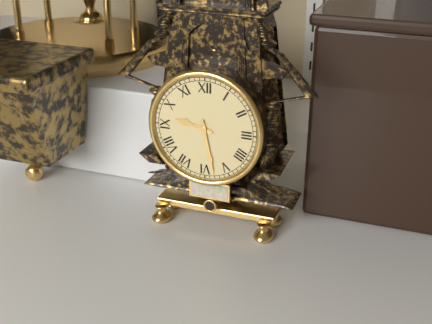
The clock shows 9.28
